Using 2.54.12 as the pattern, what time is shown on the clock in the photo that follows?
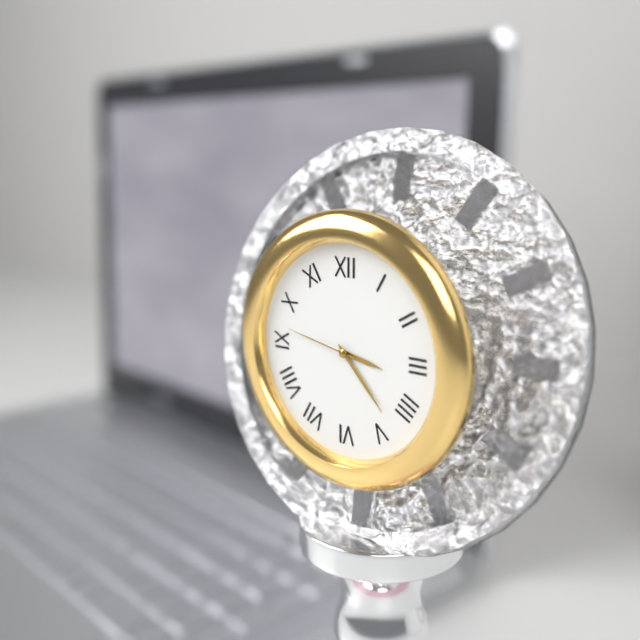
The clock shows 3.23.47
